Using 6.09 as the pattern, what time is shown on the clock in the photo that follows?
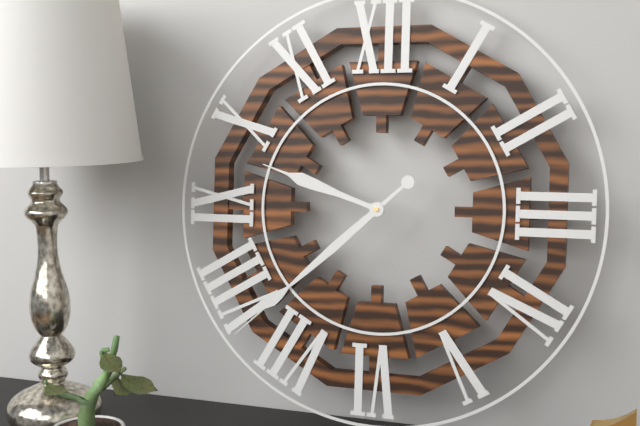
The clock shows 9.38
